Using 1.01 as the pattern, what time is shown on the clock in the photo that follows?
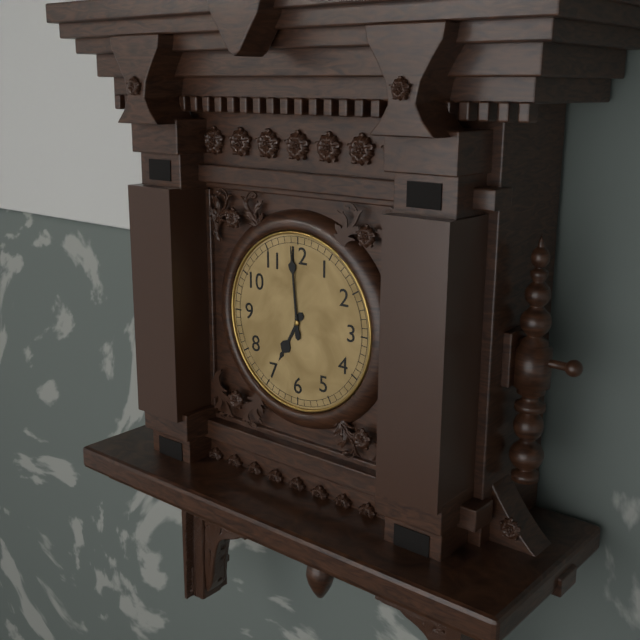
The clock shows 6.59
